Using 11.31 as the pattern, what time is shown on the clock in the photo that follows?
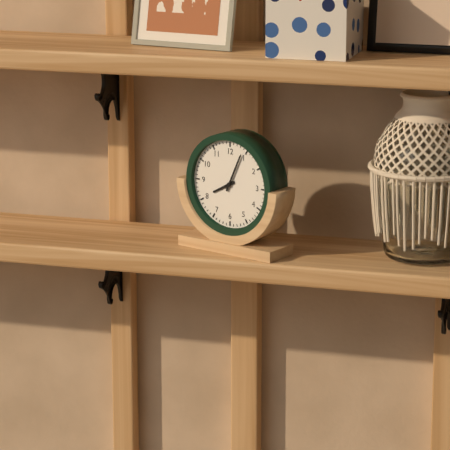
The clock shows 8.04
